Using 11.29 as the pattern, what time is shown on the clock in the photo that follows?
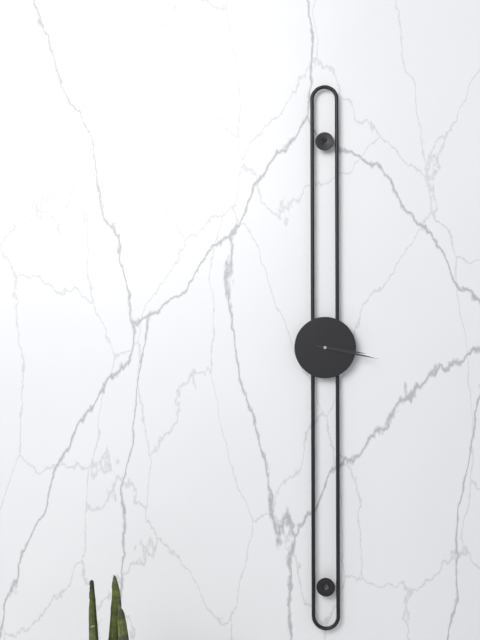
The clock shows 3.17
